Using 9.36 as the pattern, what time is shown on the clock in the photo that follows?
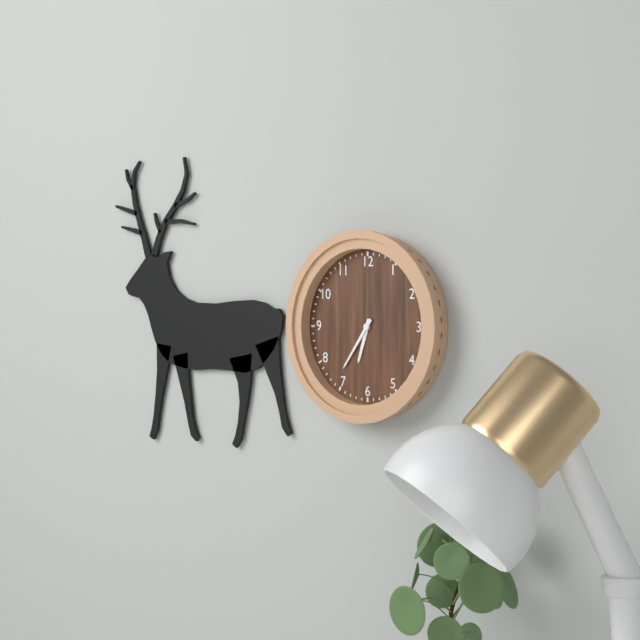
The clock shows 6.36
